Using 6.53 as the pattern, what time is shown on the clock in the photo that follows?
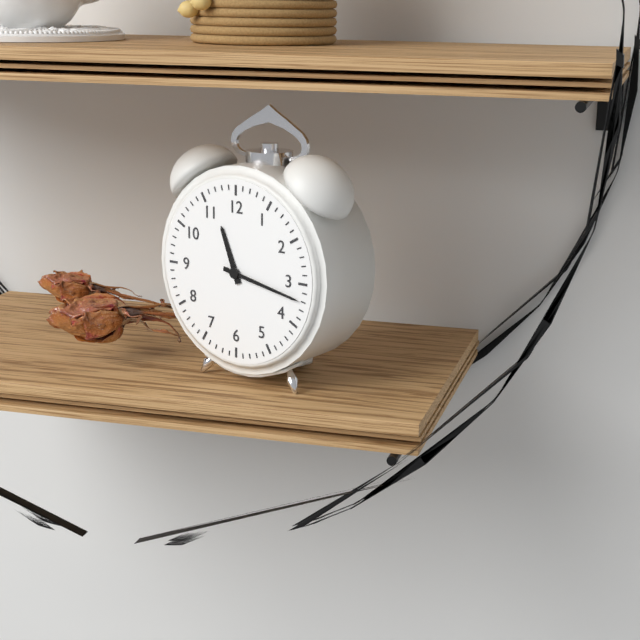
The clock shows 11.17
